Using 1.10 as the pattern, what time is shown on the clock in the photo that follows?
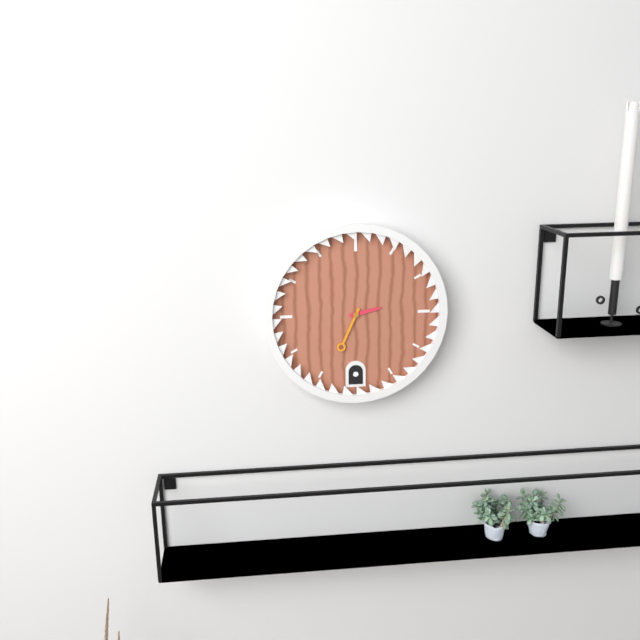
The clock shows 2.34
